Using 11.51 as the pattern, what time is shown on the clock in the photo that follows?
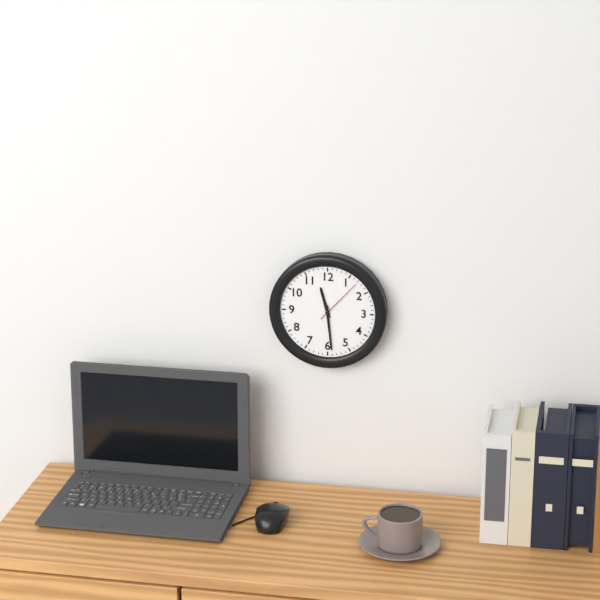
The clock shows 11.29
